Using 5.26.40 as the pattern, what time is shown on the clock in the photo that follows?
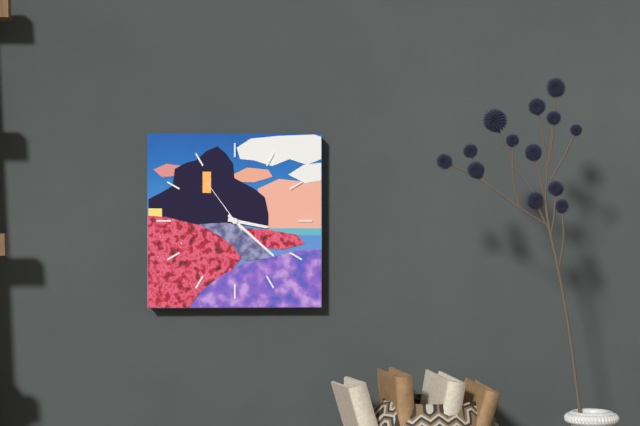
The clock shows 3.22.54
